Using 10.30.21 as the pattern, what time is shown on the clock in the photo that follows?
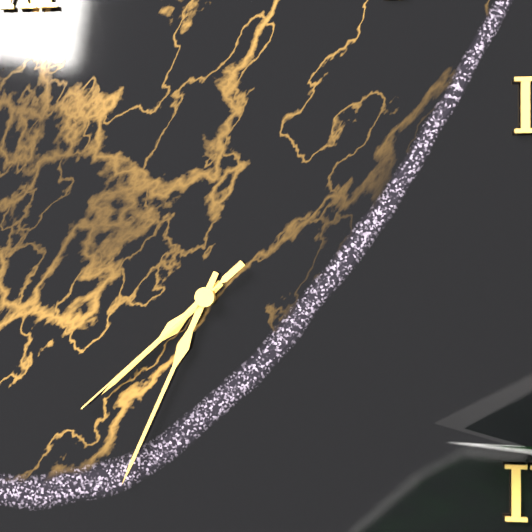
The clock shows 7.34.38
